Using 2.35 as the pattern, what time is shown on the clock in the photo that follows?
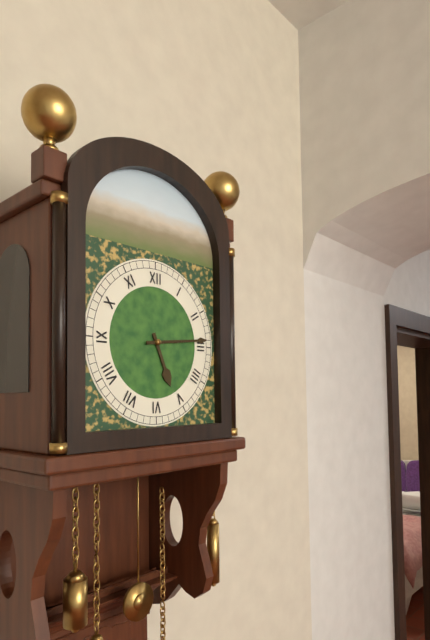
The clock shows 5.14
